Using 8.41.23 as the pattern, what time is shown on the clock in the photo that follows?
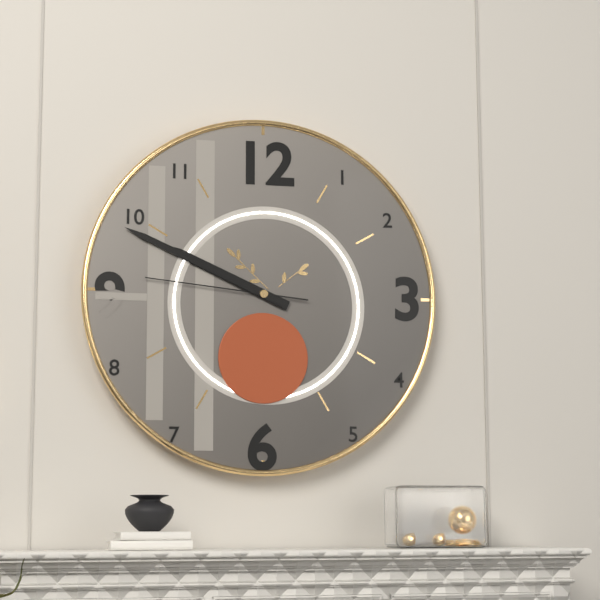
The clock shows 9.49.46
